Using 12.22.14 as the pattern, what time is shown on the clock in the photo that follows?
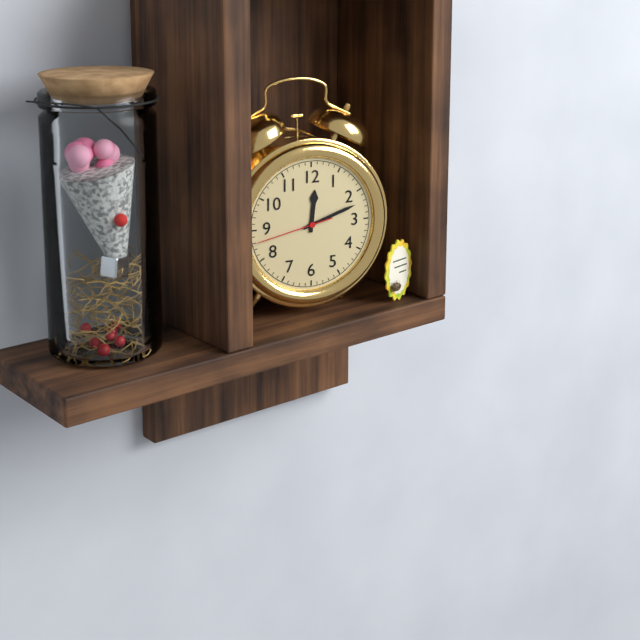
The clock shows 12.12.43
